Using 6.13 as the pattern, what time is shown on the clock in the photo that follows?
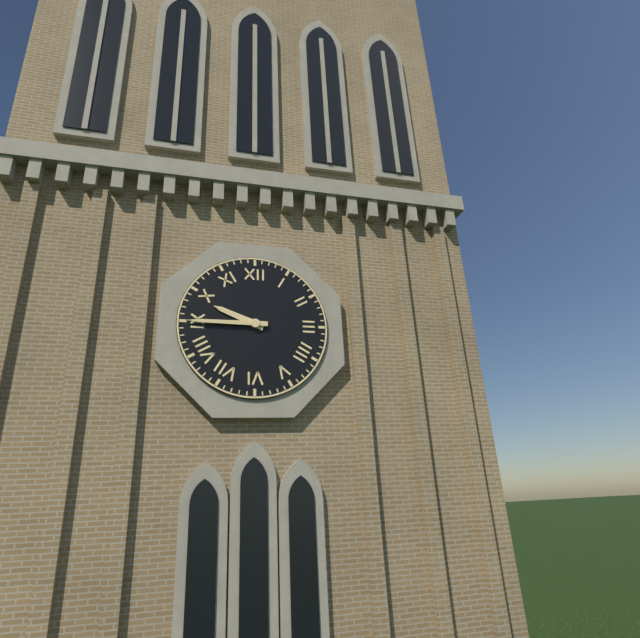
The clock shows 9.45
